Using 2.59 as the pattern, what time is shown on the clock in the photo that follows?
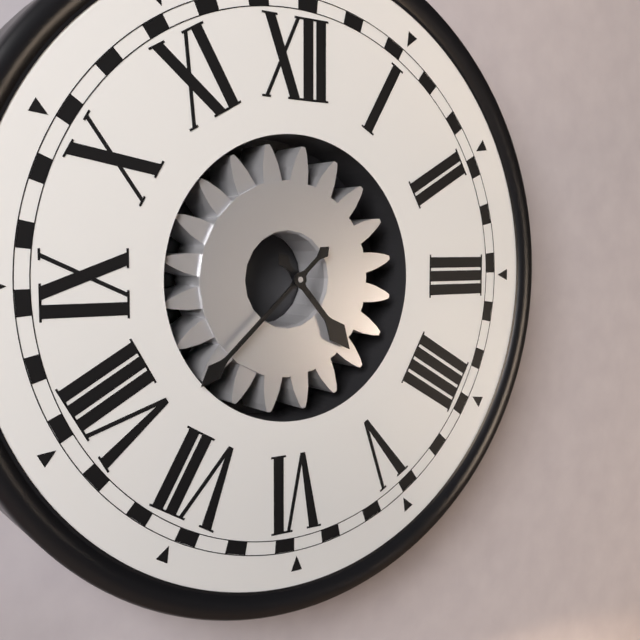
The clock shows 4.38
